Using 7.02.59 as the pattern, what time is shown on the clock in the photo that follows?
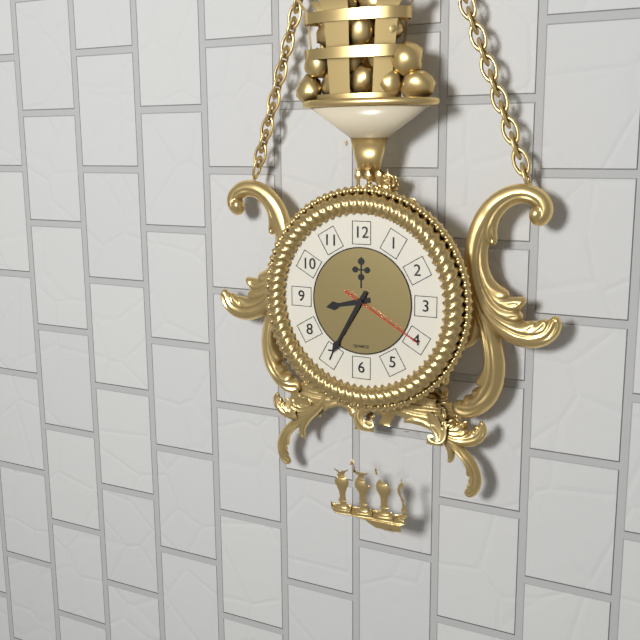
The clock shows 8.35.20
